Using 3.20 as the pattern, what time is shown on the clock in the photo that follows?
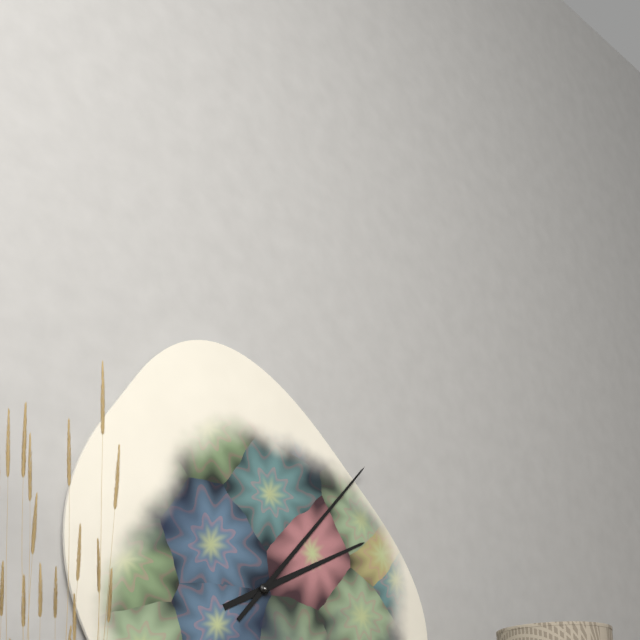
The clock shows 2.07
